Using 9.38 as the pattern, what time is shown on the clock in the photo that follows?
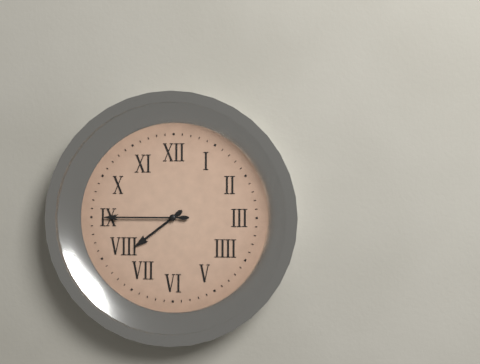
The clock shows 7.45
